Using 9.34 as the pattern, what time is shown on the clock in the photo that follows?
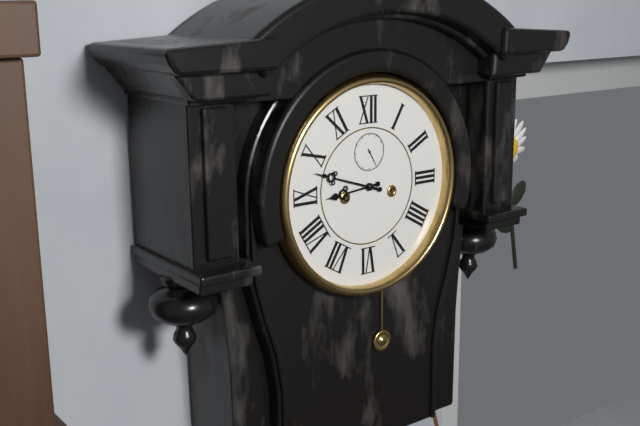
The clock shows 8.48
